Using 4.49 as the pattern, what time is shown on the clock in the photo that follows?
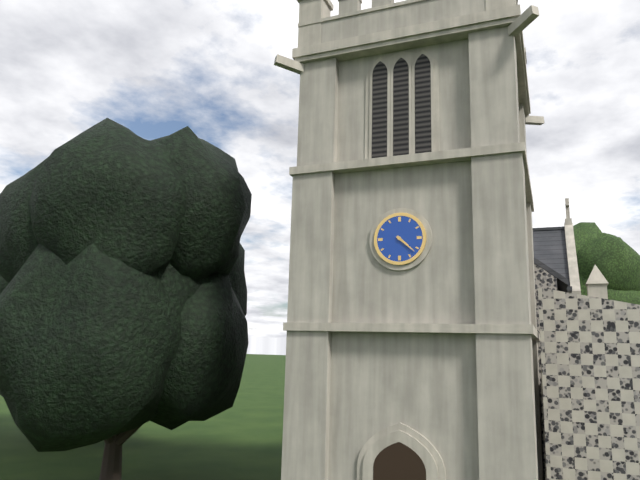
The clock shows 4.22
